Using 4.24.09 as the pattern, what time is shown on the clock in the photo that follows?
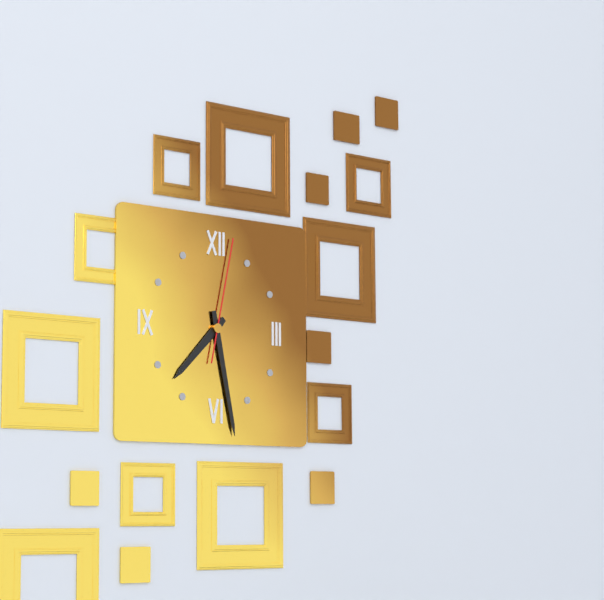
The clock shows 7.28.02
